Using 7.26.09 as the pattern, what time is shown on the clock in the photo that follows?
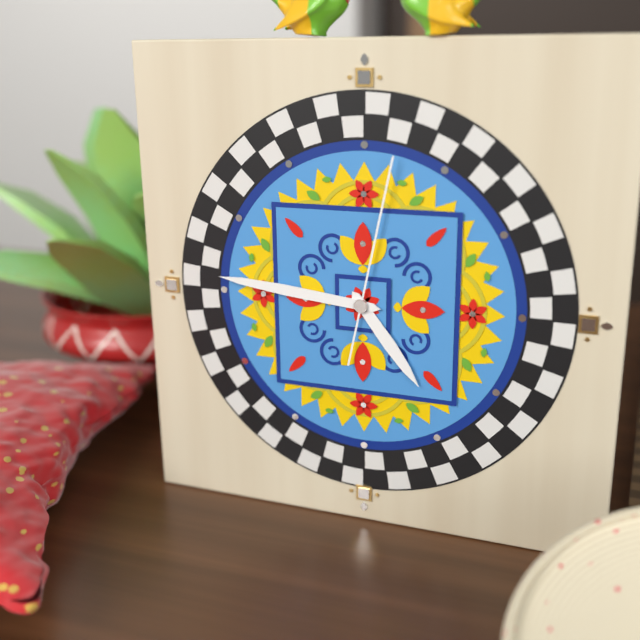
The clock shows 4.46.02
